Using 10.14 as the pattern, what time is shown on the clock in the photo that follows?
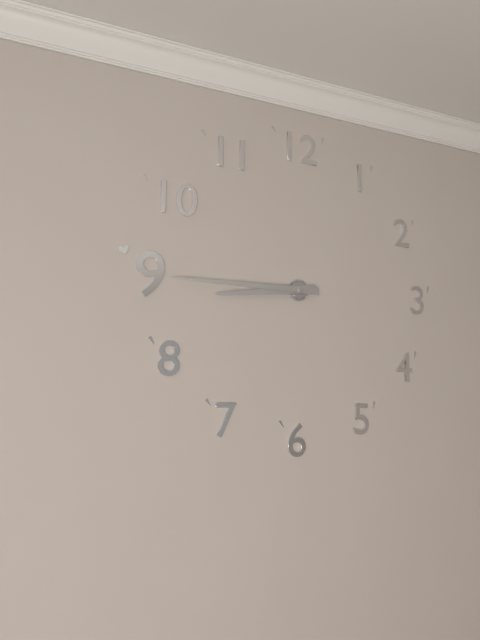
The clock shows 8.45
